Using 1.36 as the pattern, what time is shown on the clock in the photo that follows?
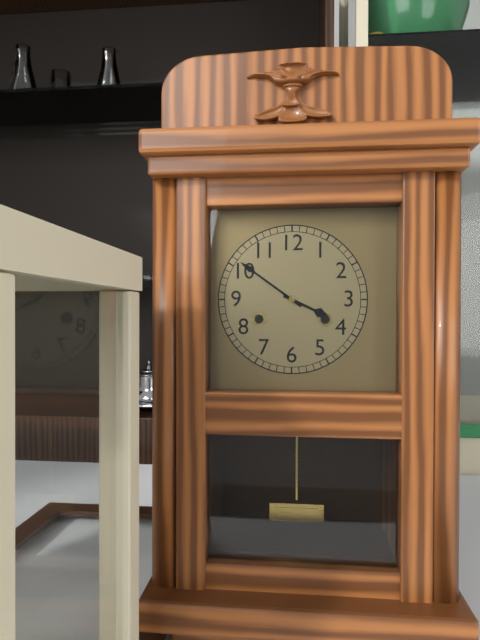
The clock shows 3.51
